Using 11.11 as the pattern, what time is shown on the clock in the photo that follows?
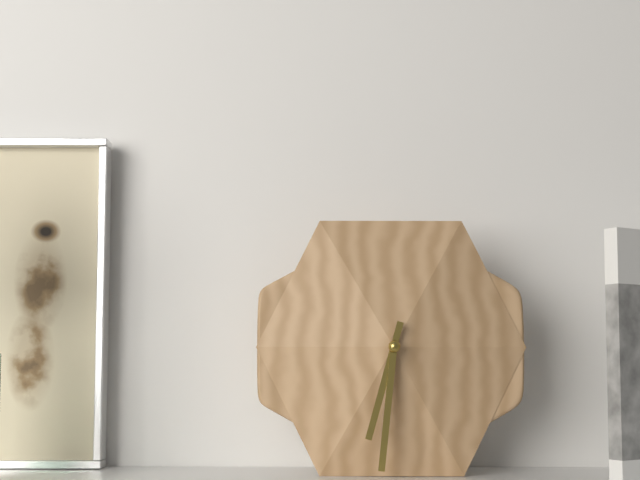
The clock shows 6.31
